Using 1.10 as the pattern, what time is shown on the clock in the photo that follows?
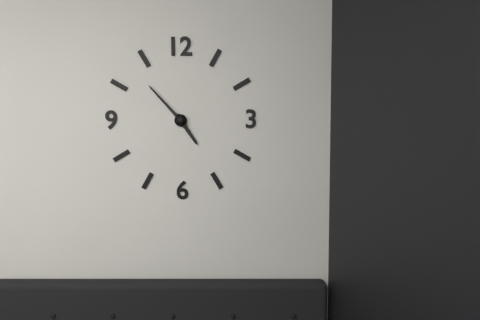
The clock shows 4.53
